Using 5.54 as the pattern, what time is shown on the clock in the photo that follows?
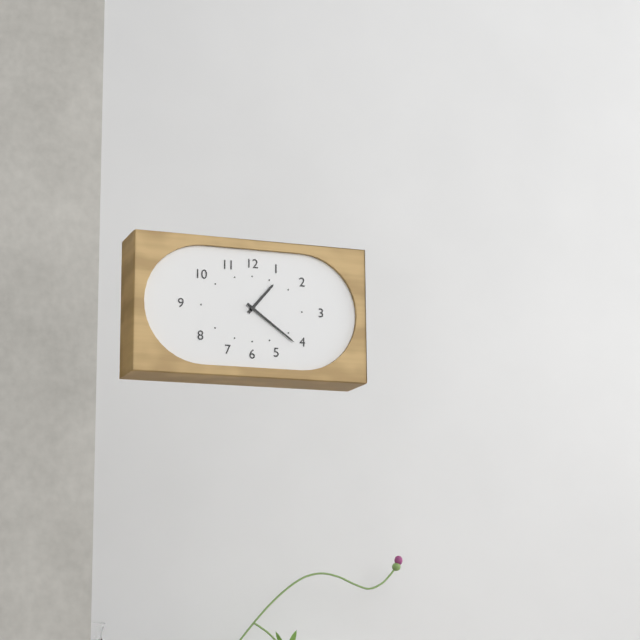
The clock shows 1.21
